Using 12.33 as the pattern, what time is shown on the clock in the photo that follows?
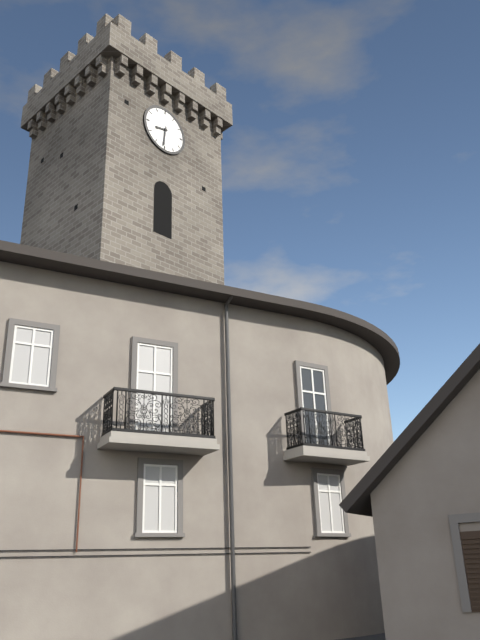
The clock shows 8.31
